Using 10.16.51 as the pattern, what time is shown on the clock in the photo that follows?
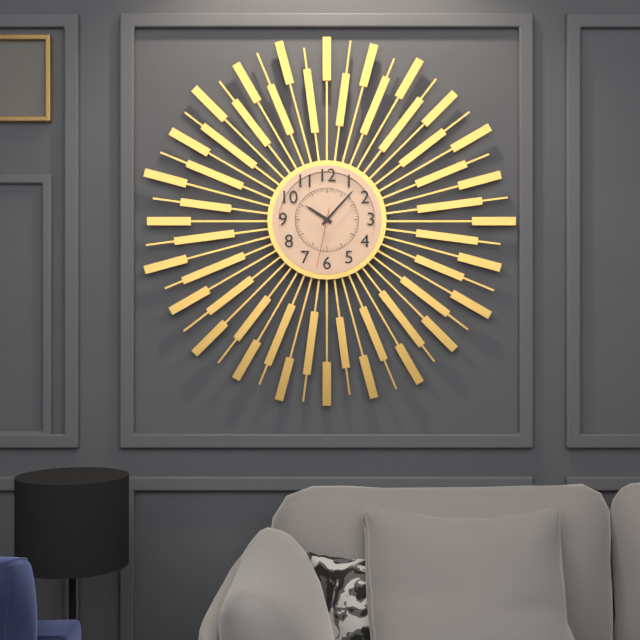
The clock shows 10.07.32
